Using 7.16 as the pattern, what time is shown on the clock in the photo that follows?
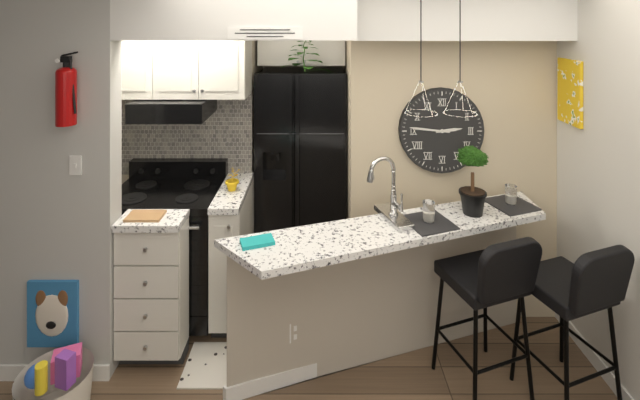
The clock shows 2.46
